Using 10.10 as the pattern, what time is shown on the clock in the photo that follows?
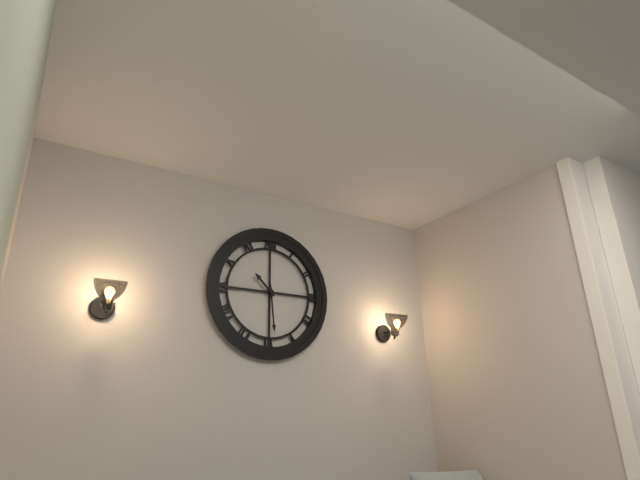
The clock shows 10.29
